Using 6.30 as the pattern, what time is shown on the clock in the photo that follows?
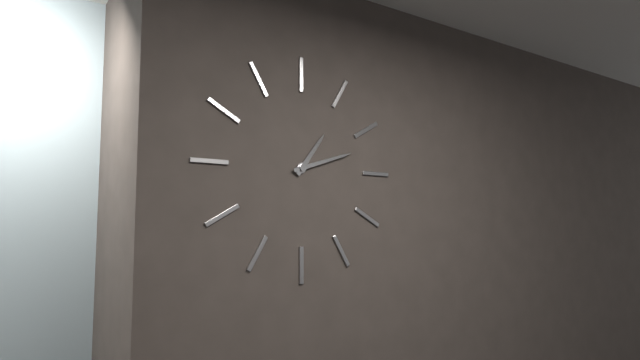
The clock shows 1.12
